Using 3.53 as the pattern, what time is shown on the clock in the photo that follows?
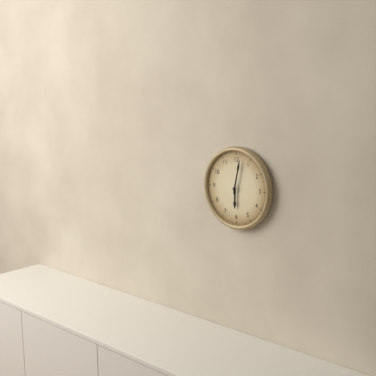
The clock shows 6.02
